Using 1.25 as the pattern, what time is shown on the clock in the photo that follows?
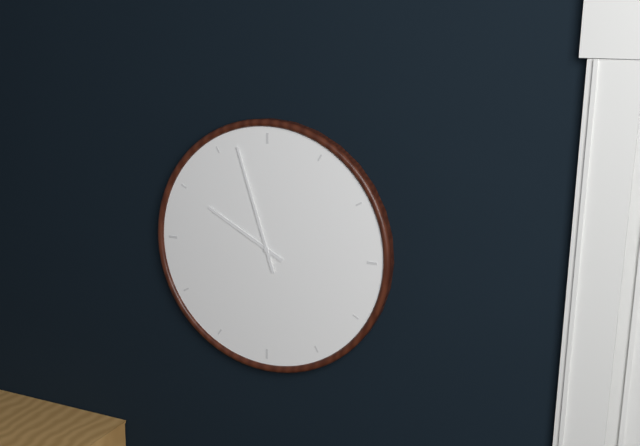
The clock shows 9.57
